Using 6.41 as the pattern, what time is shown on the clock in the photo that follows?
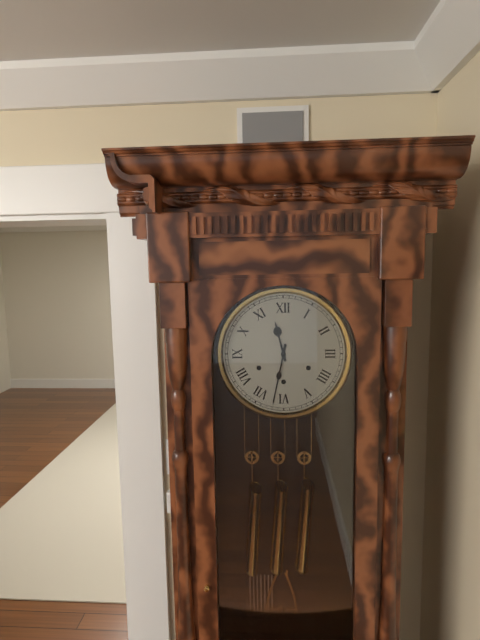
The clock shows 11.32
